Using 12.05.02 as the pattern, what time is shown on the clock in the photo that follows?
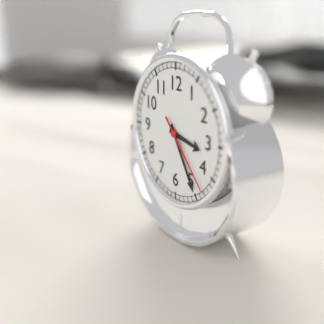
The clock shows 3.25.23
